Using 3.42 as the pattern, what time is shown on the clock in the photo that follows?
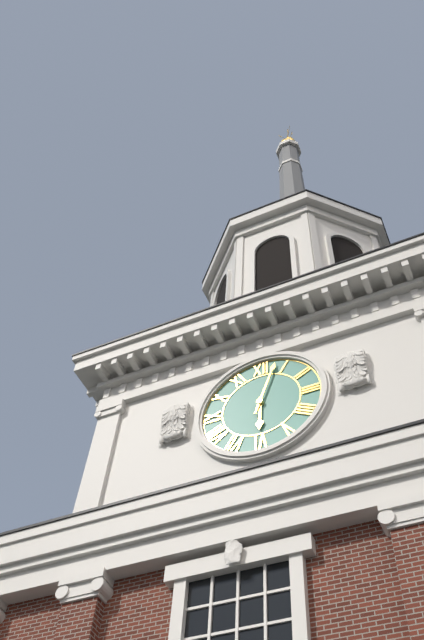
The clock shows 6.03
